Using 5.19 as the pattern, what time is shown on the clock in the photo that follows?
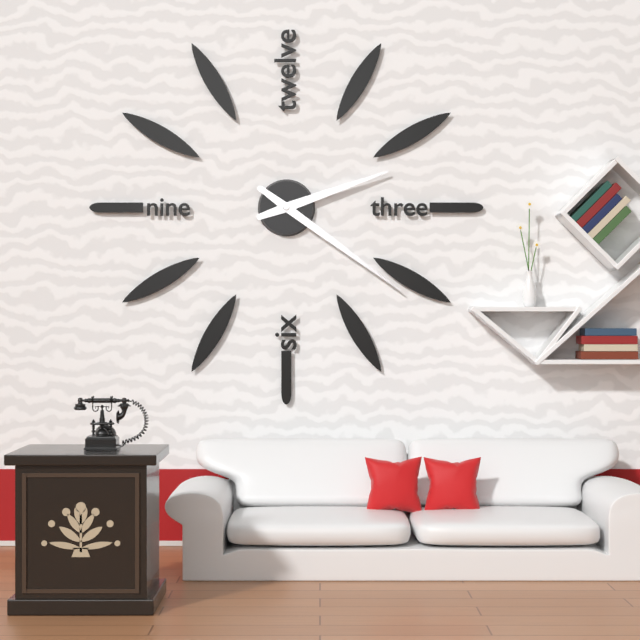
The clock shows 2.21
